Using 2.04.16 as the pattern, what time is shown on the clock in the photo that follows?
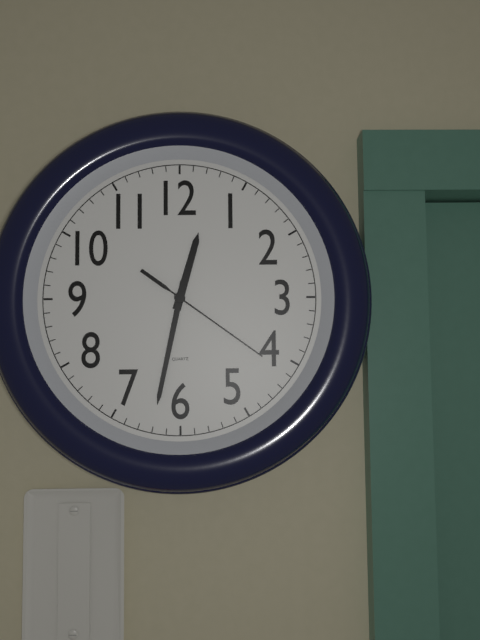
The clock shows 12.32.21
